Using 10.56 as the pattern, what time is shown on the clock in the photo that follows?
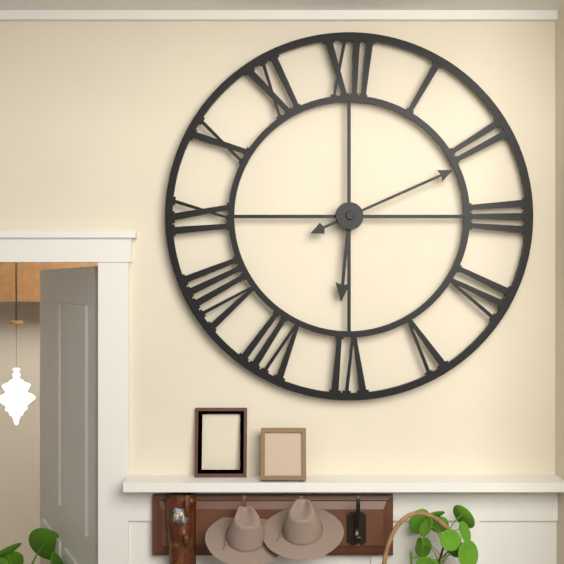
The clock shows 6.11
